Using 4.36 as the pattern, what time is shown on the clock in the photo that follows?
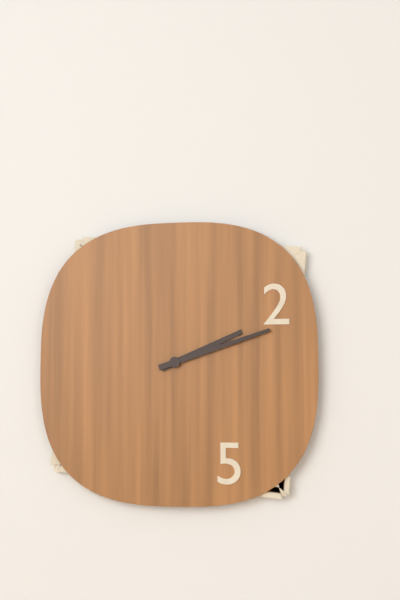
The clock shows 2.12
